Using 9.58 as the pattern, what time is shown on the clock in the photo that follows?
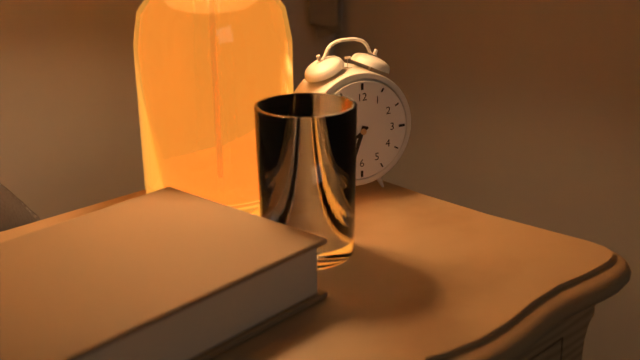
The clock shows 6.39
